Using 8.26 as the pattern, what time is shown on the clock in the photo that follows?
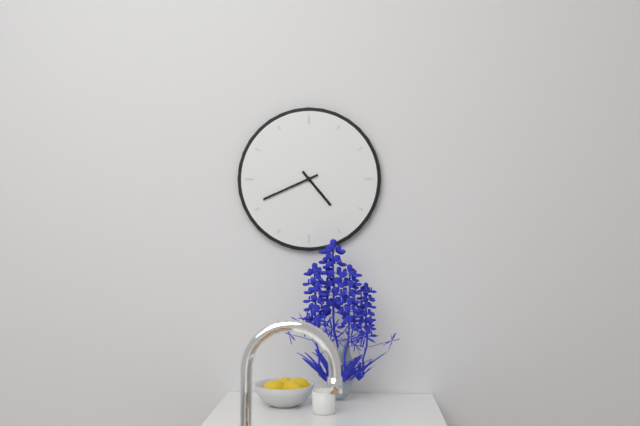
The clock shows 4.41
